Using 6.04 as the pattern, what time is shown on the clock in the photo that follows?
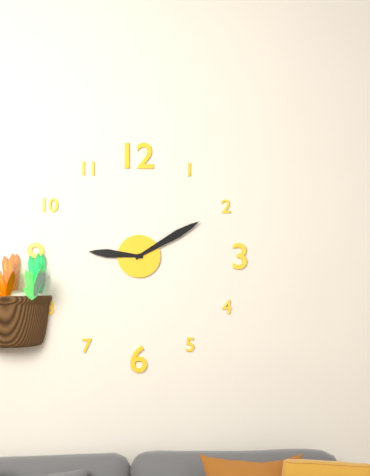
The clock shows 9.10
